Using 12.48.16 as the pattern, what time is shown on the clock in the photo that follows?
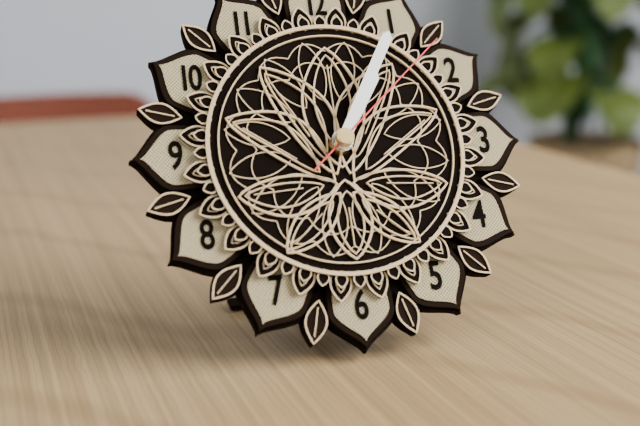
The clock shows 1.05.08
